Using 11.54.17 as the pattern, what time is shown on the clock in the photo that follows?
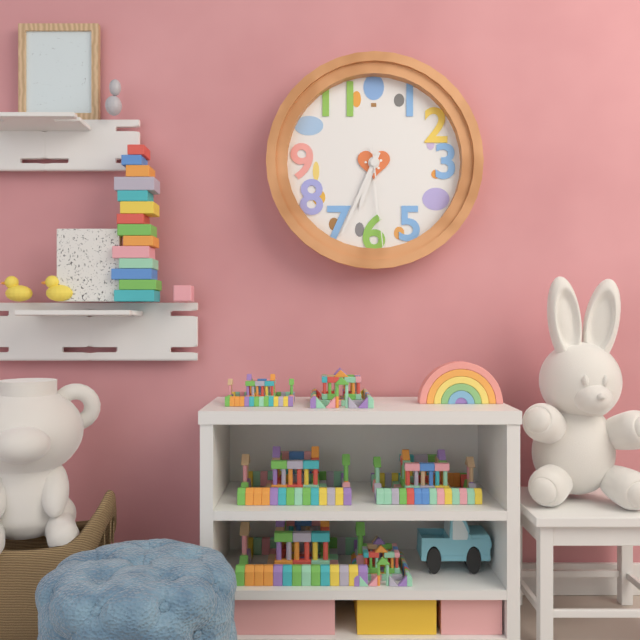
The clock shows 6.34.29
